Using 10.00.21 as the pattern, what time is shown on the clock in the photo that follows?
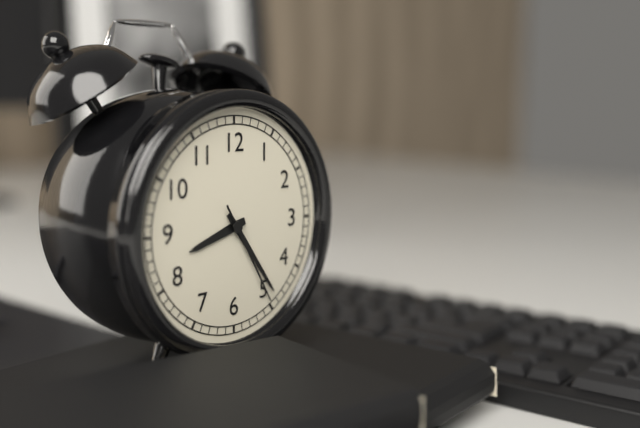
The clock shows 8.24.25
